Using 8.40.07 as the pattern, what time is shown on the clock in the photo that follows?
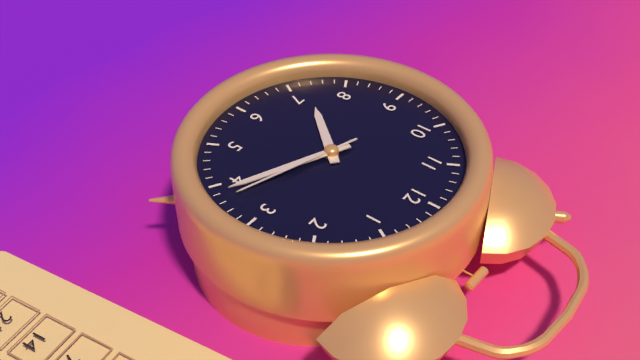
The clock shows 7.19.18
